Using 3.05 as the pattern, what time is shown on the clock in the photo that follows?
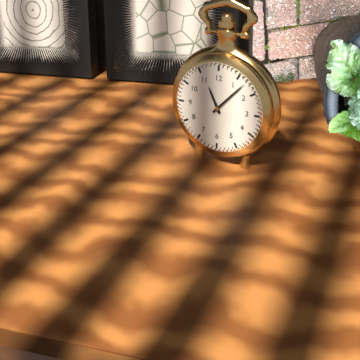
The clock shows 11.07
